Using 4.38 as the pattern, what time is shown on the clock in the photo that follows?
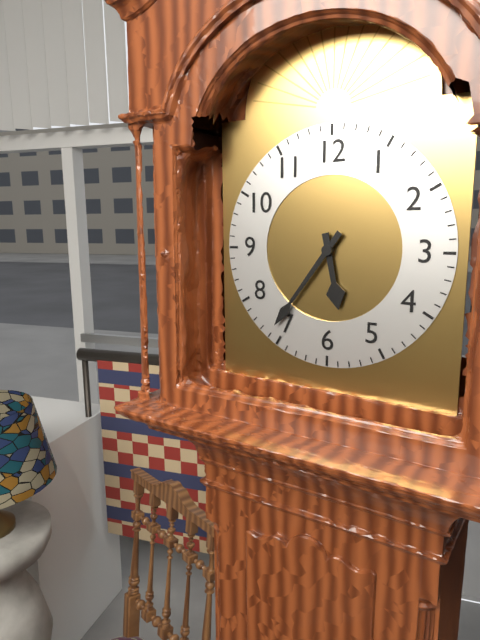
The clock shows 5.36
